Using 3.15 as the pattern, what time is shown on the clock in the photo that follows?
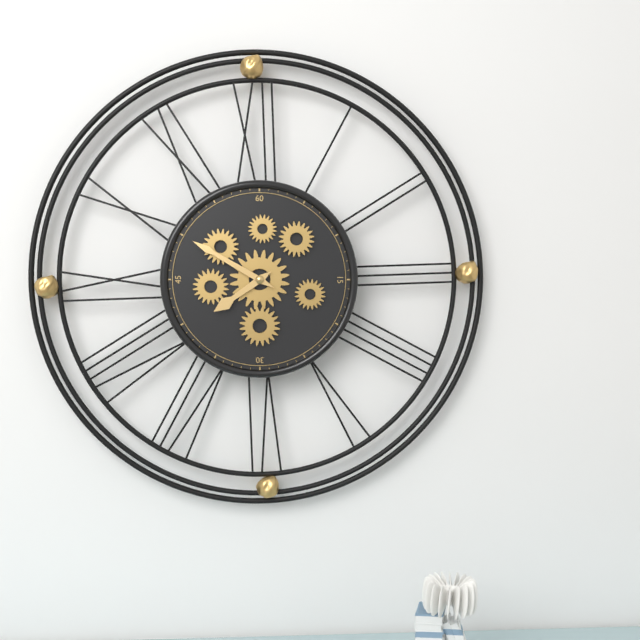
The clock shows 7.50
